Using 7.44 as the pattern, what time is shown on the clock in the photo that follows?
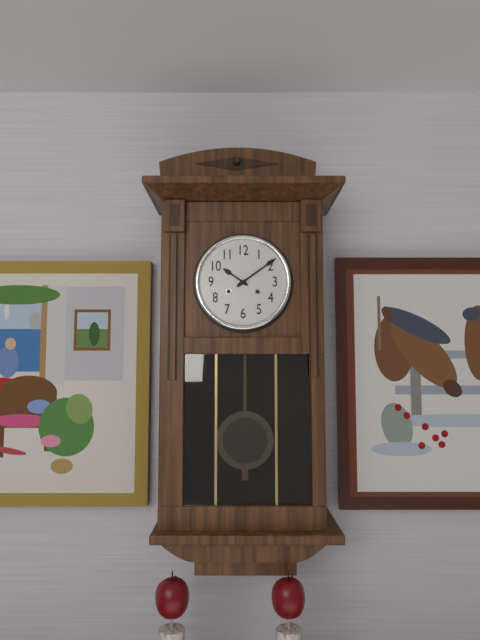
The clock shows 10.09
